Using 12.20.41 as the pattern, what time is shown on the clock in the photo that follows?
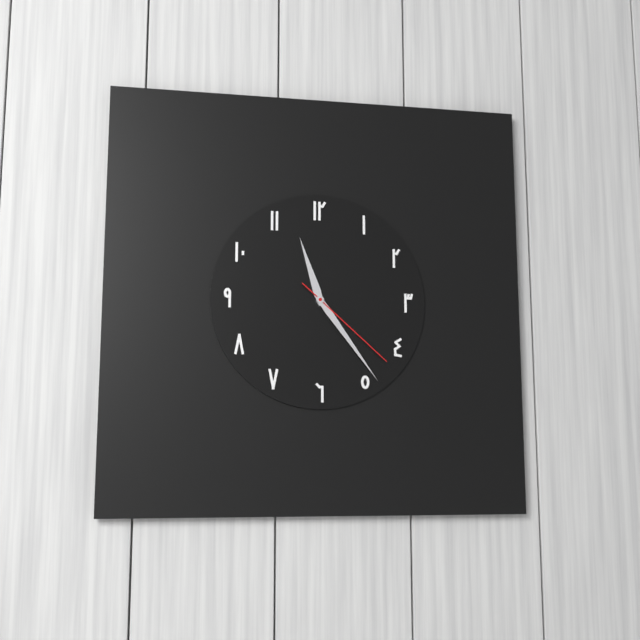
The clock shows 11.24.22
